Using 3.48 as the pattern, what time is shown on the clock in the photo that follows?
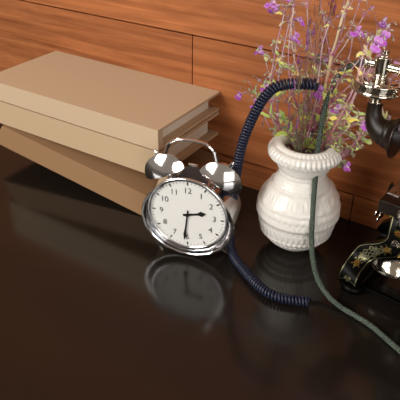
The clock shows 2.31
